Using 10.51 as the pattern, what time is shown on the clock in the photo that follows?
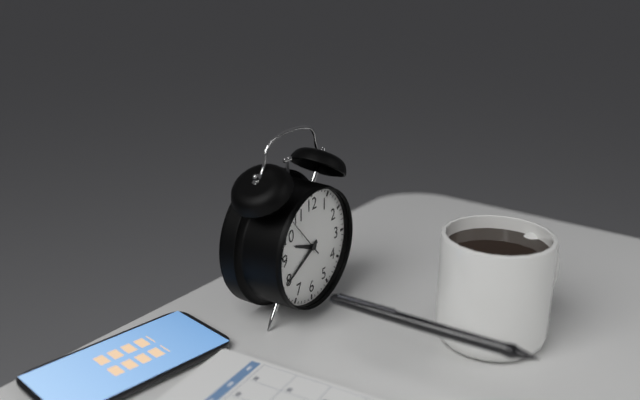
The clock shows 9.40
